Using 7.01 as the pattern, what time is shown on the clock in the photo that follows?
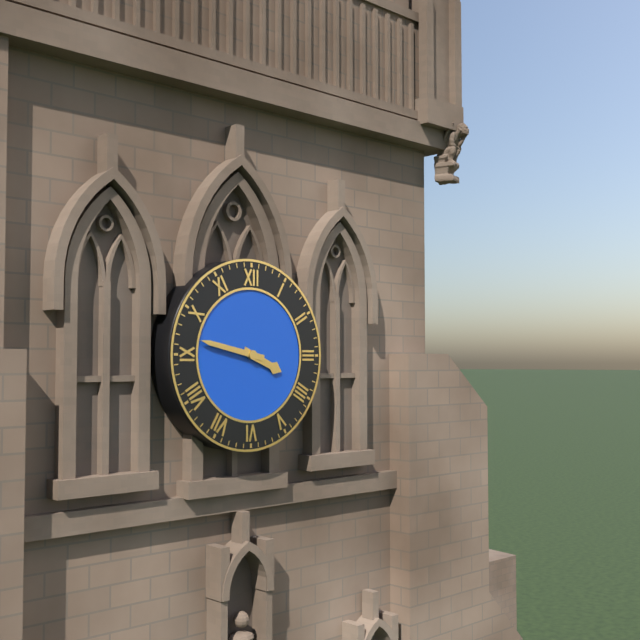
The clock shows 3.47
